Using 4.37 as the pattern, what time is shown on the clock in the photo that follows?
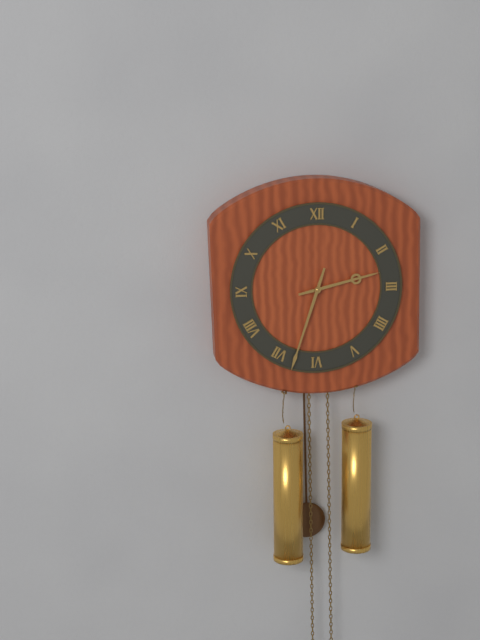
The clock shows 2.33
